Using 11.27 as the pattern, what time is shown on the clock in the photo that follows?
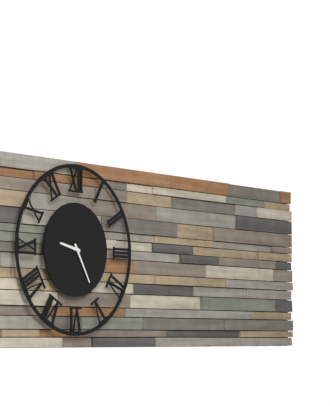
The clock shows 9.25
